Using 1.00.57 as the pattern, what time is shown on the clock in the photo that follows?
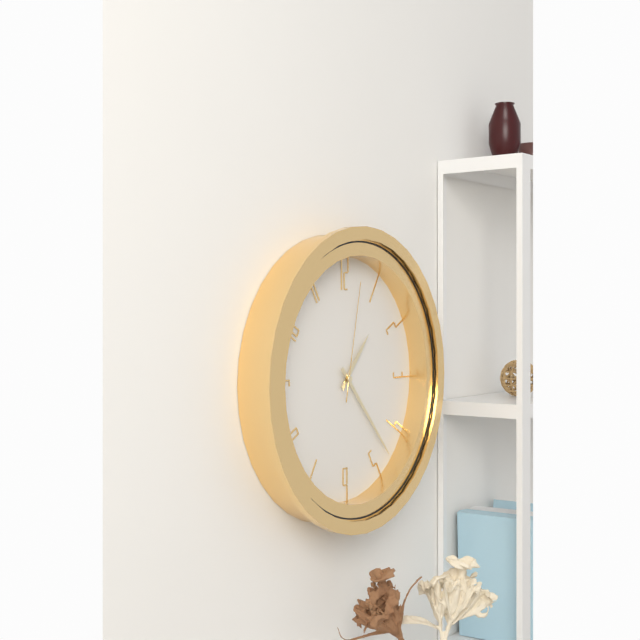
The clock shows 1.23.02
